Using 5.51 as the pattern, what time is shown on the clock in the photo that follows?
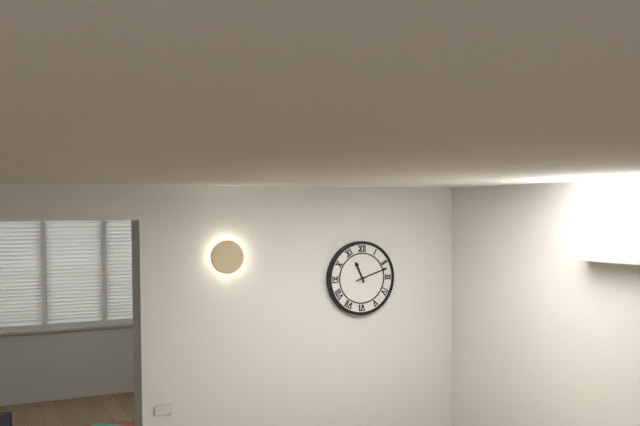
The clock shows 11.12
